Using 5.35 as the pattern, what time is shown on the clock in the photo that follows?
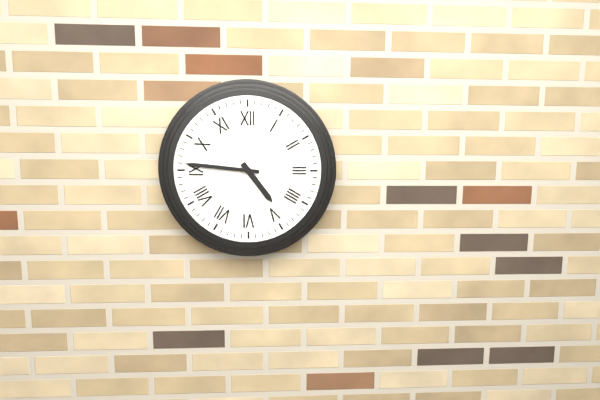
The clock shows 4.46
